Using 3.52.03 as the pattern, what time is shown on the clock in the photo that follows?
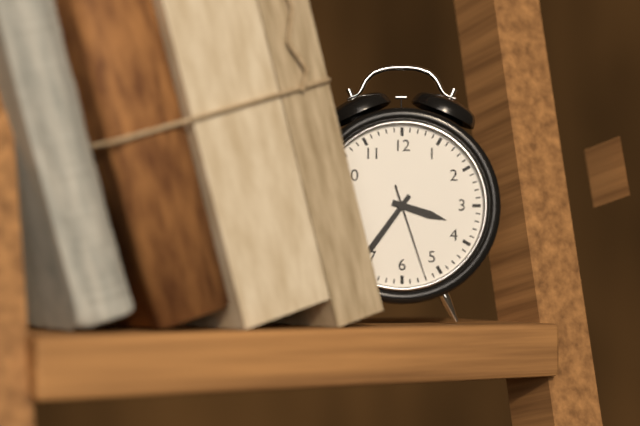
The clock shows 3.36.27
